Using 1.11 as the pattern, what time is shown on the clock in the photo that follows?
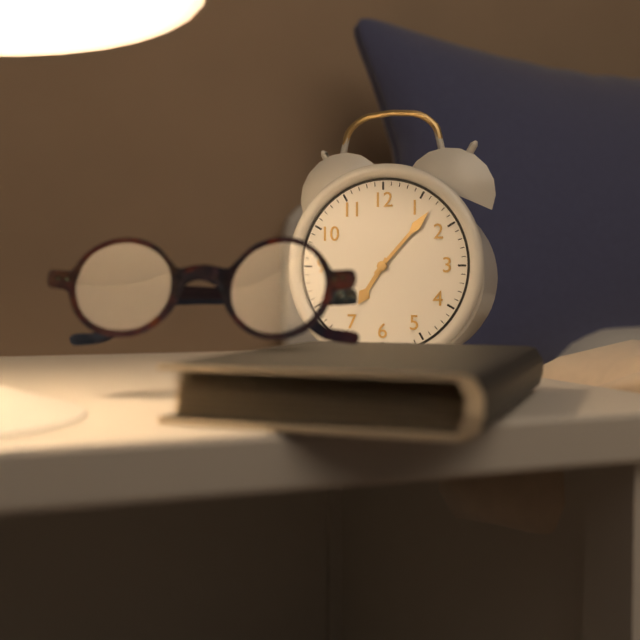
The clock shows 7.07
